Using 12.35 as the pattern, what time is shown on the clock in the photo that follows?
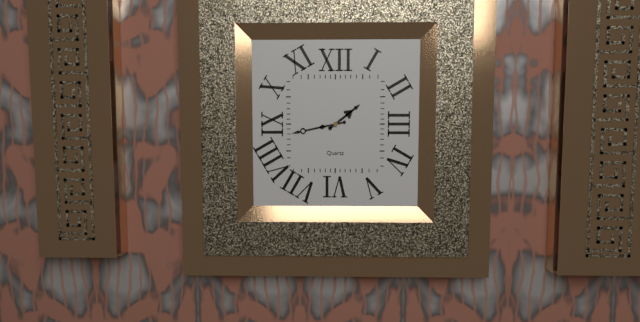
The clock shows 1.43
